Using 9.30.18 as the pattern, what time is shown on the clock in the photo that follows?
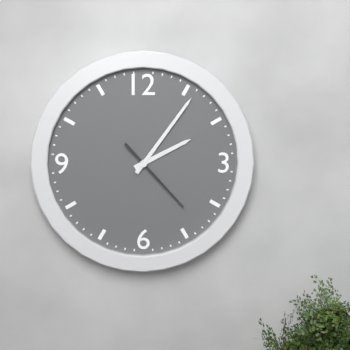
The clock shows 2.06.23
